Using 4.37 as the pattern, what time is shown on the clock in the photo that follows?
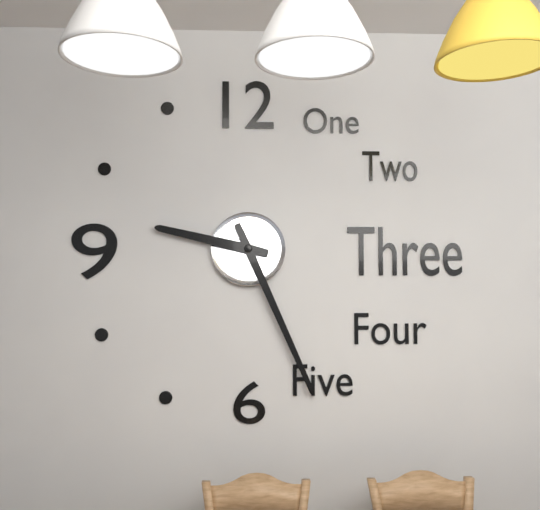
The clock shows 9.26
